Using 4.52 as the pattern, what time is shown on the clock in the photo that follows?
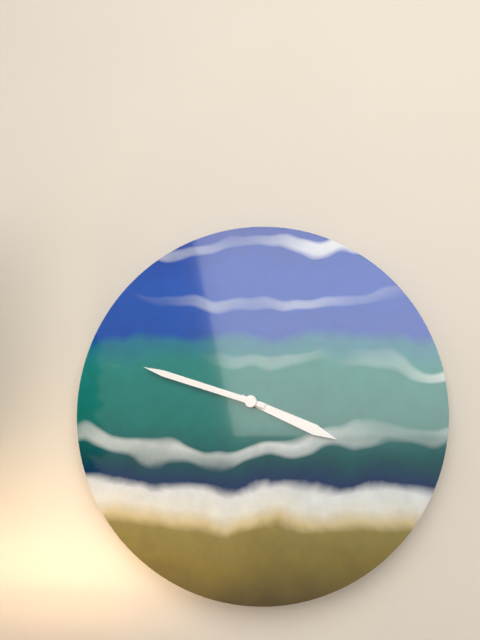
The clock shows 3.48
